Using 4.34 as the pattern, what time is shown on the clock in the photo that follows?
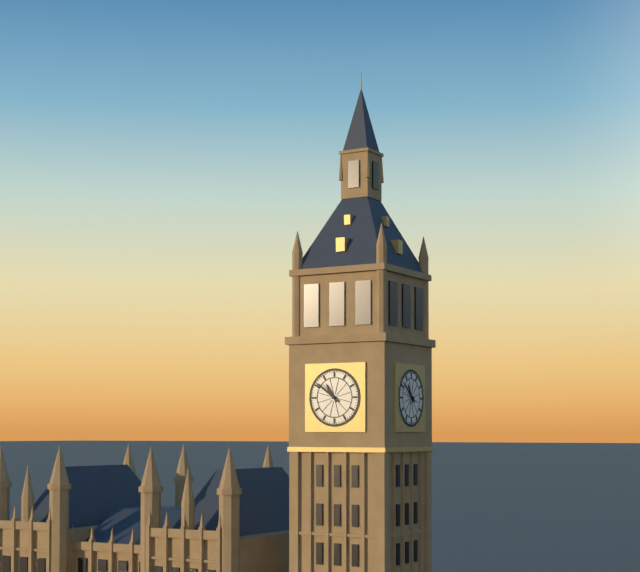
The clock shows 10.51
